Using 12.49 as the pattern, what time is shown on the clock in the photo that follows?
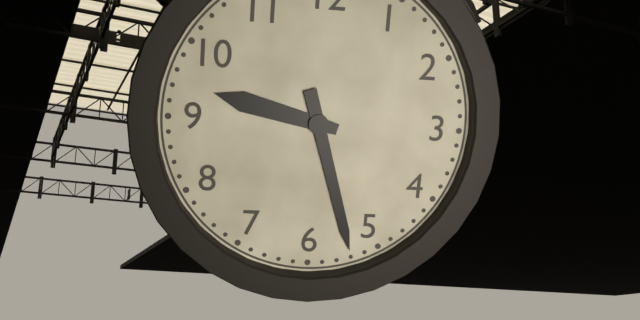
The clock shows 9.27
